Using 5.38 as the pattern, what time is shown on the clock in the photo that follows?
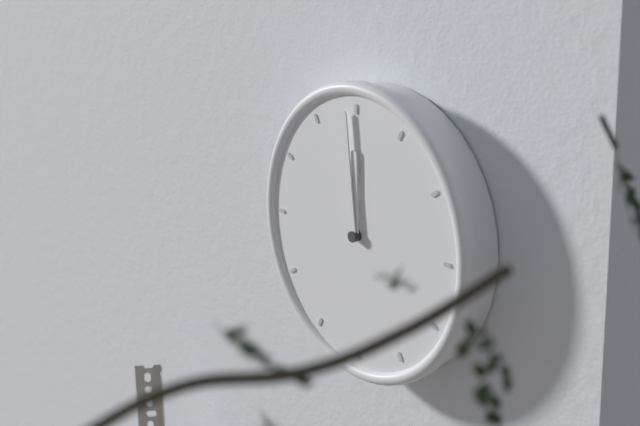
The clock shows 11.59
